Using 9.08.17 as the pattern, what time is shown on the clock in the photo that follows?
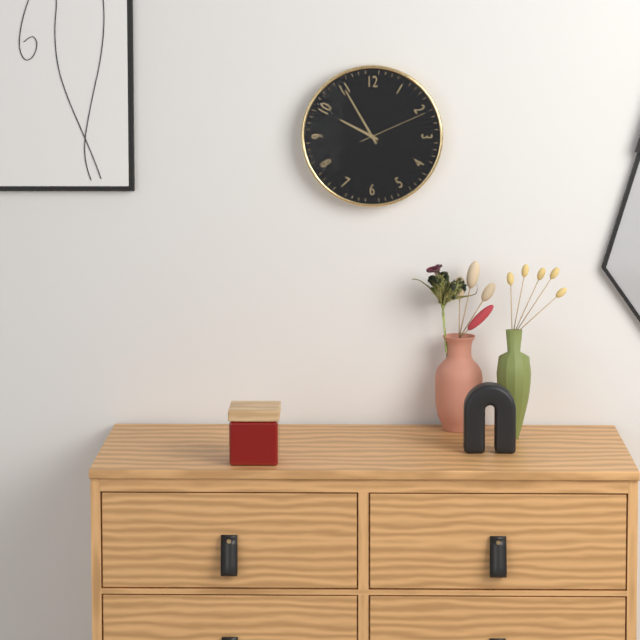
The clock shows 9.55.11
